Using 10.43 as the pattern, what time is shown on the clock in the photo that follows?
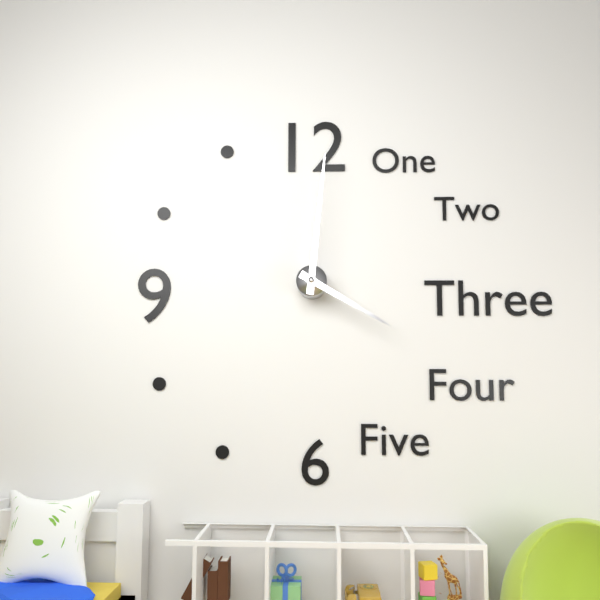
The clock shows 4.01
